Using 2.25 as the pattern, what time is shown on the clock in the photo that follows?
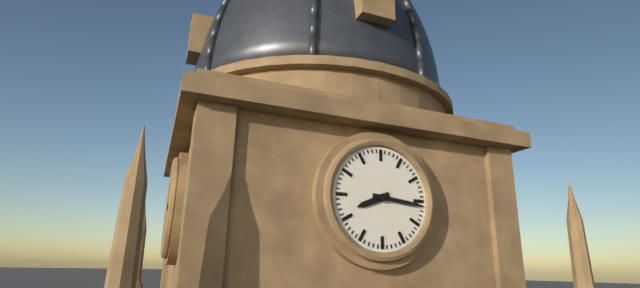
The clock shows 8.16
